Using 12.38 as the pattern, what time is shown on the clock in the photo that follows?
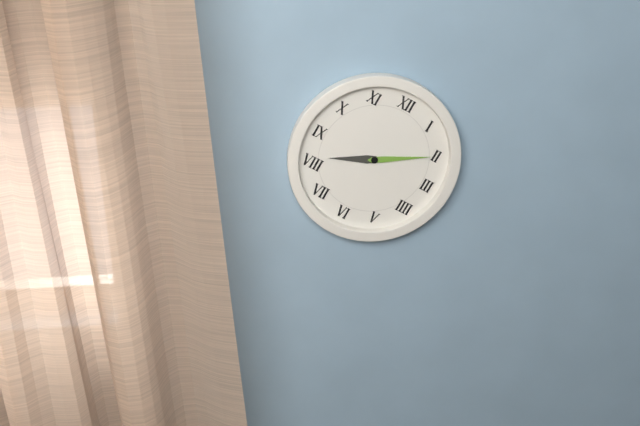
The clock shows 8.10
